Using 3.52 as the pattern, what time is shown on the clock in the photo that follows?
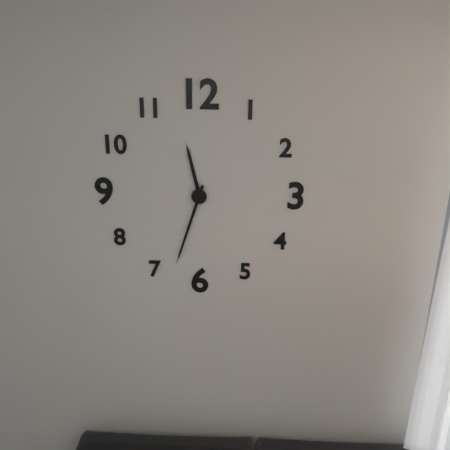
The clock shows 11.33
